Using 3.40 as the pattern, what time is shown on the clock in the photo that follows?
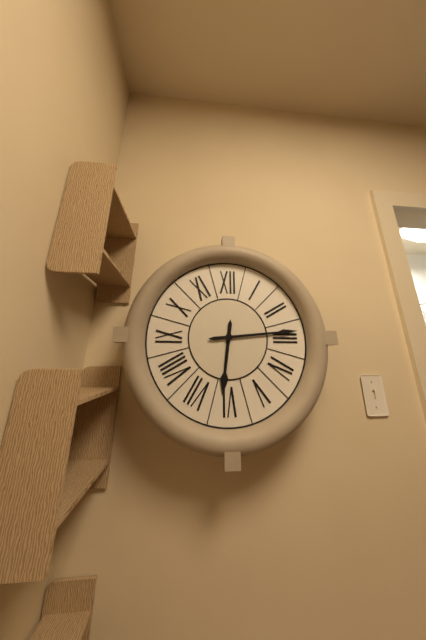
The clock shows 6.14
